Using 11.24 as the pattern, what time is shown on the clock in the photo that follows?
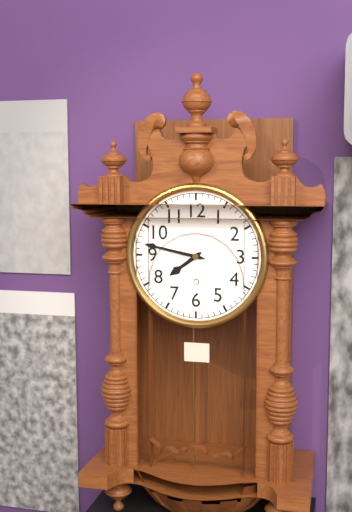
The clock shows 7.47
